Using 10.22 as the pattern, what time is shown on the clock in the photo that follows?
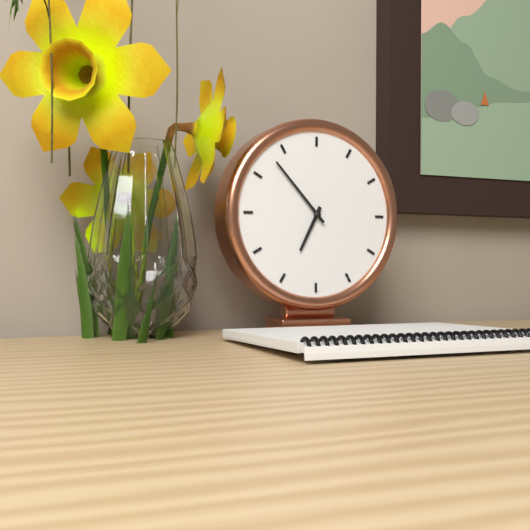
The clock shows 6.53
